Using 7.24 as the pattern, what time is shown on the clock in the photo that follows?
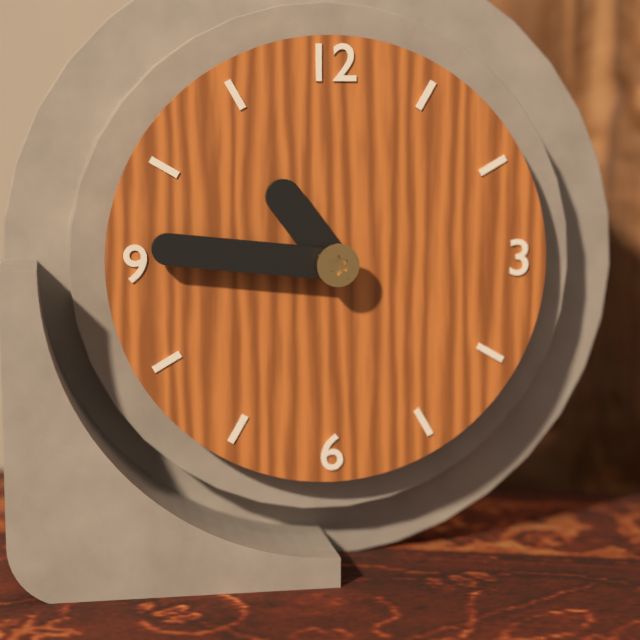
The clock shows 10.46
